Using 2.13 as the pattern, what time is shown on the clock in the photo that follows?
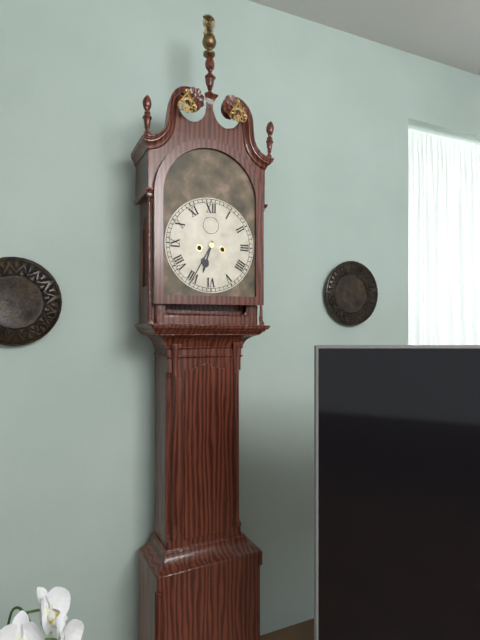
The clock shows 6.35
